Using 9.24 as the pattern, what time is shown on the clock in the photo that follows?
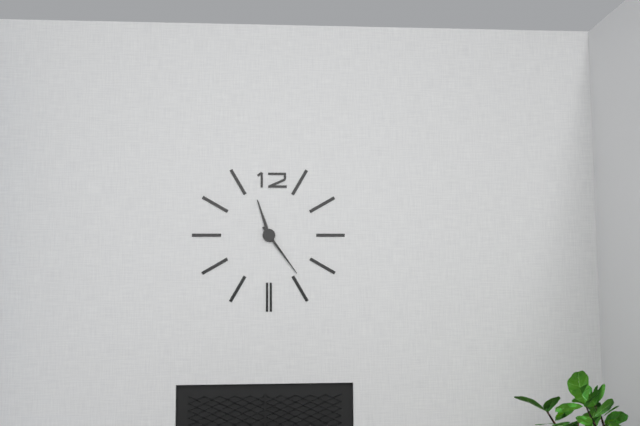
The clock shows 11.24
